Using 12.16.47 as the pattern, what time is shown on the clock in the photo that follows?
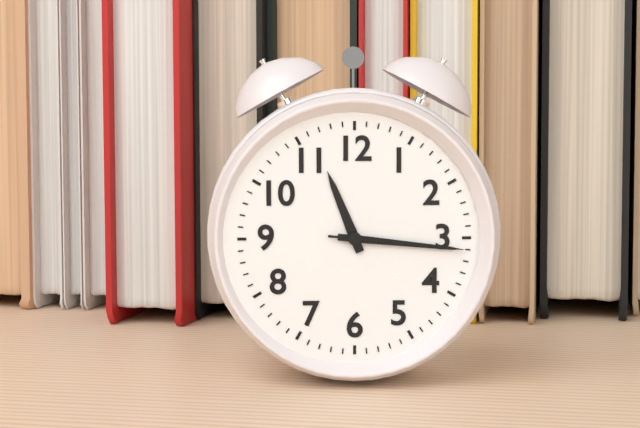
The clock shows 11.16.16
